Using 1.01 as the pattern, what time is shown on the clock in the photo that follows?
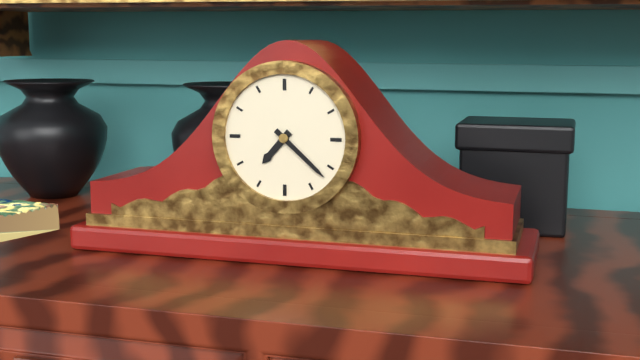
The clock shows 7.22
